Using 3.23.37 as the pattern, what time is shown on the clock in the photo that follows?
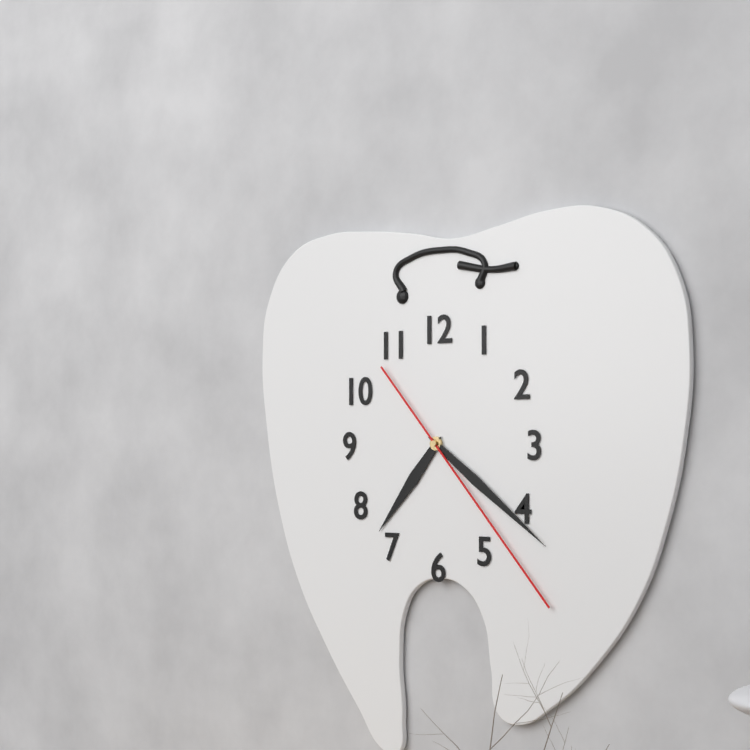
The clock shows 7.21.23
